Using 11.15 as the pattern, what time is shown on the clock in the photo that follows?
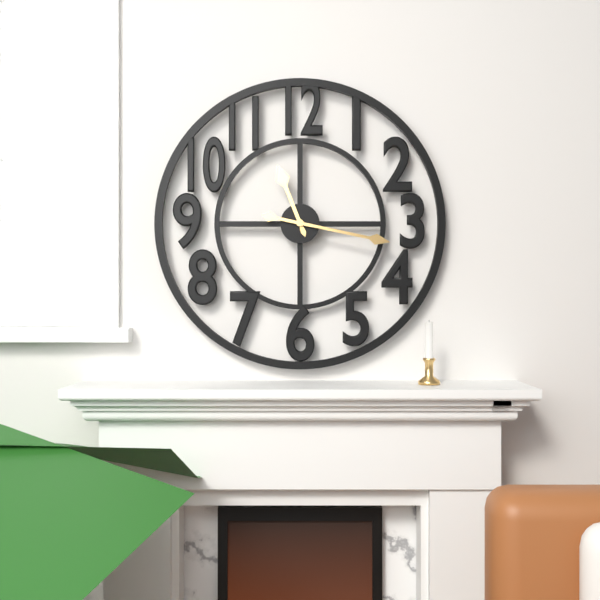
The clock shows 11.17
